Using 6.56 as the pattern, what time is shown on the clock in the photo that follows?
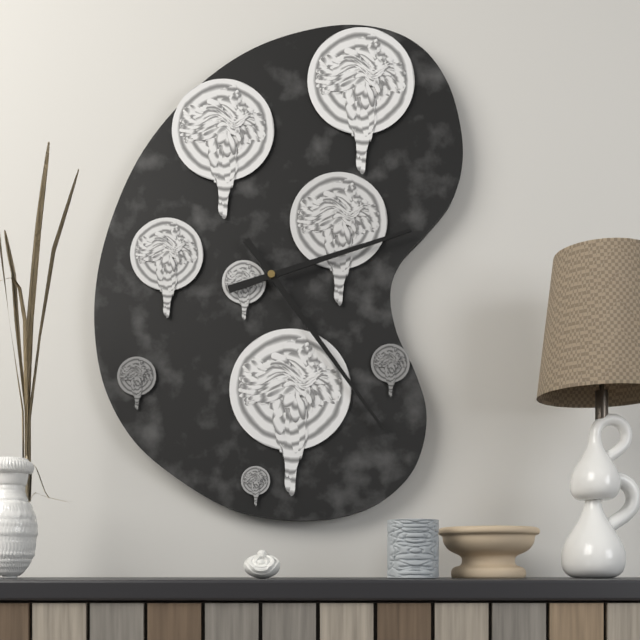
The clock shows 2.24
